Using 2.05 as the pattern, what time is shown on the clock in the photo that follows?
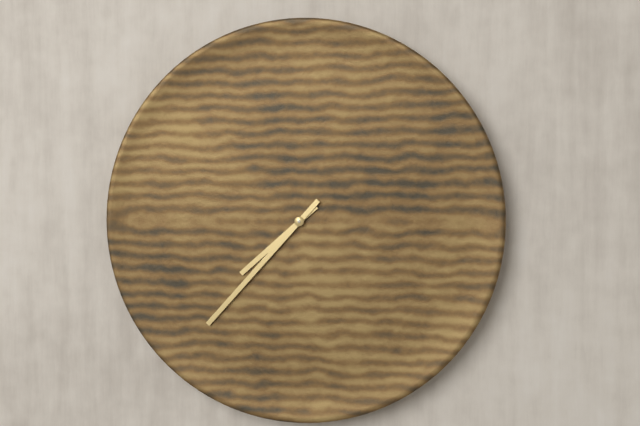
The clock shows 7.37
